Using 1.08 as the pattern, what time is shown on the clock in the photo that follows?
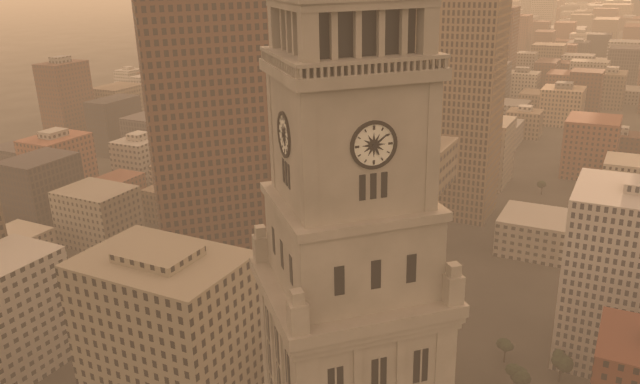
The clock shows 5.09
